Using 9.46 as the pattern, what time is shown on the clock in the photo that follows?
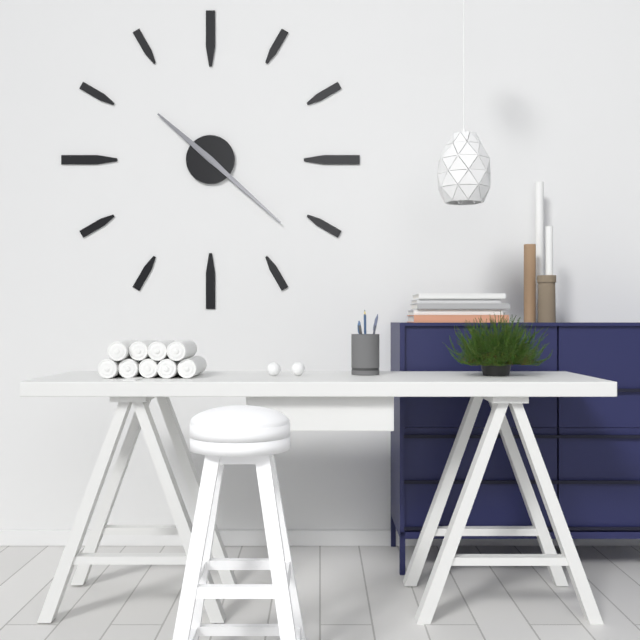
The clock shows 10.22
